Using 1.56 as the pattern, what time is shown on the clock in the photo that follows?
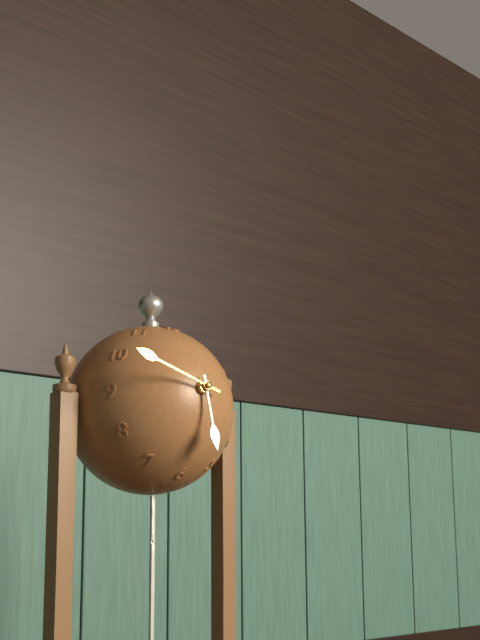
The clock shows 5.48
